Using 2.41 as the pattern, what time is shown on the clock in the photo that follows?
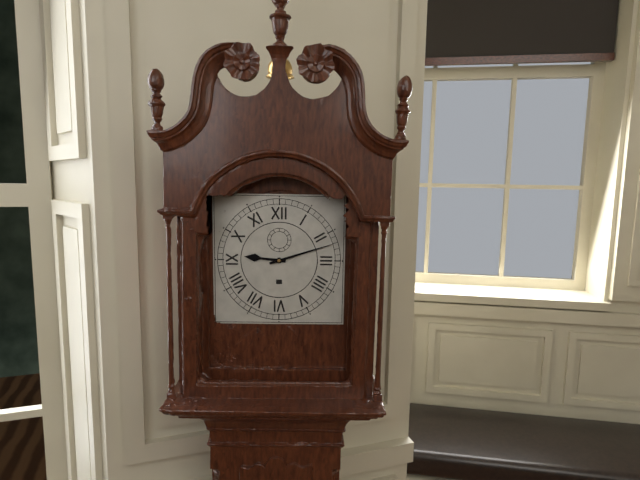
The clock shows 9.12
